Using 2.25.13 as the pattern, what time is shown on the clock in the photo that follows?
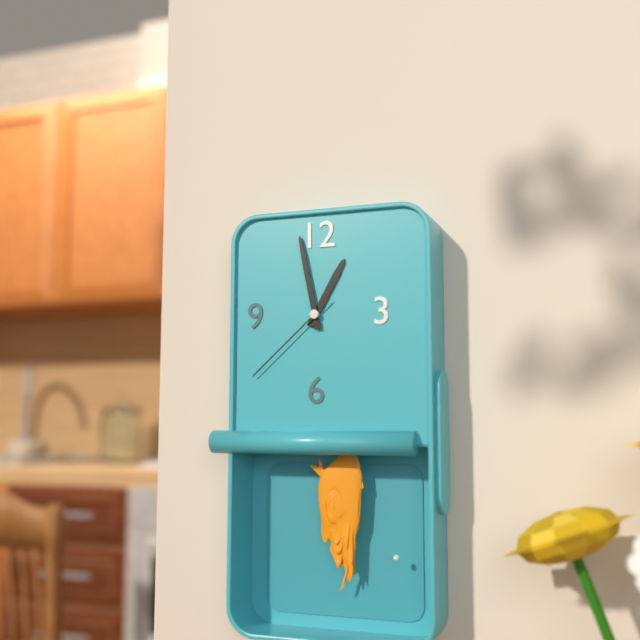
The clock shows 12.58.38
